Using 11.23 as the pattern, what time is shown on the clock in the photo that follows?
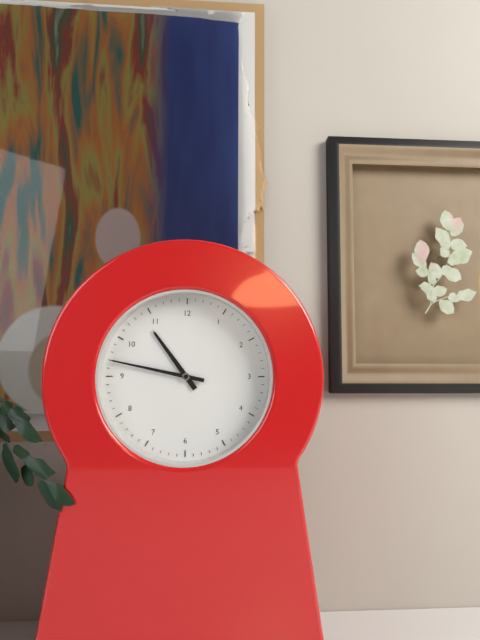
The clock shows 10.47
